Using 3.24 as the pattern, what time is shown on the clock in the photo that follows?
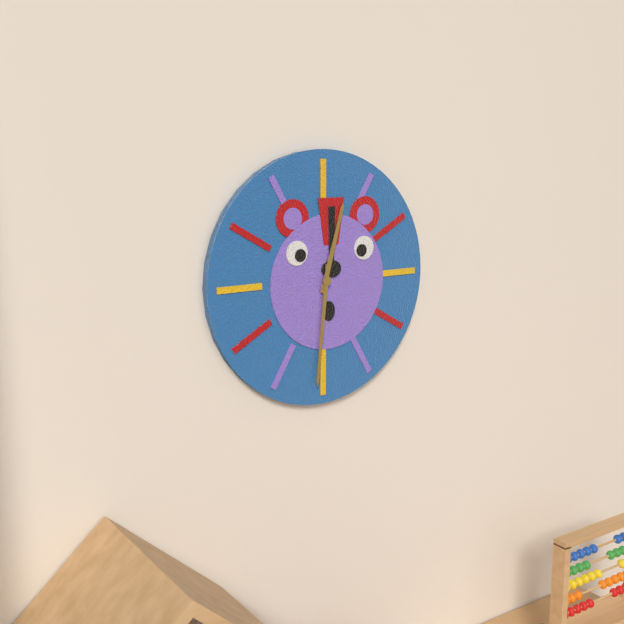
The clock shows 12.31
